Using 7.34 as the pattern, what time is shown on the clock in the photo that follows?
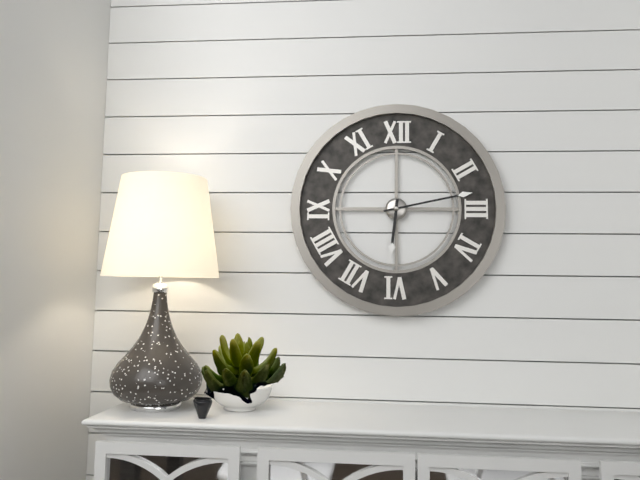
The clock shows 6.13
